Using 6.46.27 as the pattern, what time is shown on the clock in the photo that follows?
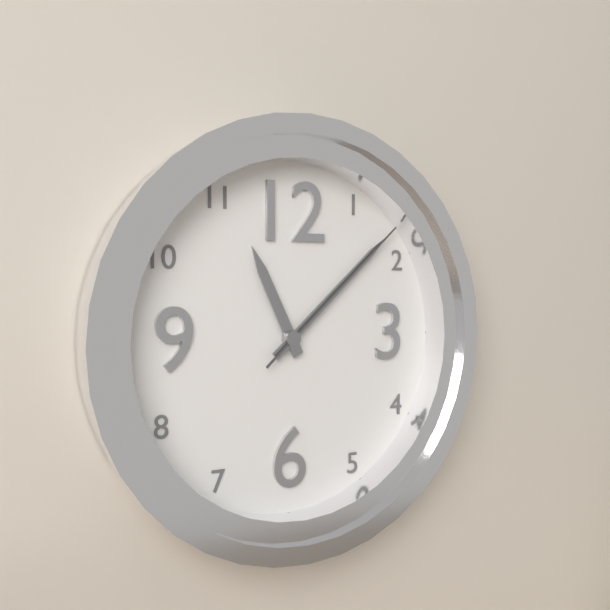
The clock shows 11.08.08
